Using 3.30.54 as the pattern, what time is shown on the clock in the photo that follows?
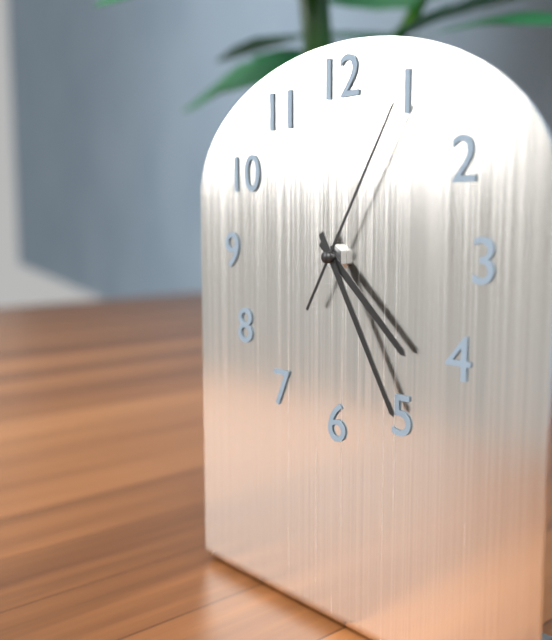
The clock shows 4.25.05
